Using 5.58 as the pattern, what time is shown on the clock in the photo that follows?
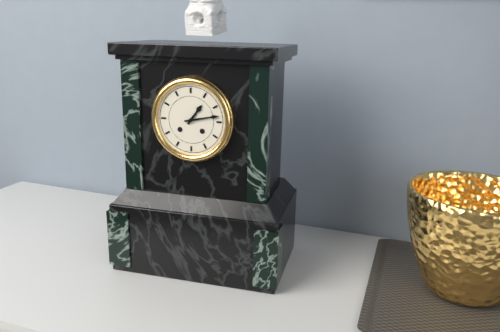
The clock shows 1.13
